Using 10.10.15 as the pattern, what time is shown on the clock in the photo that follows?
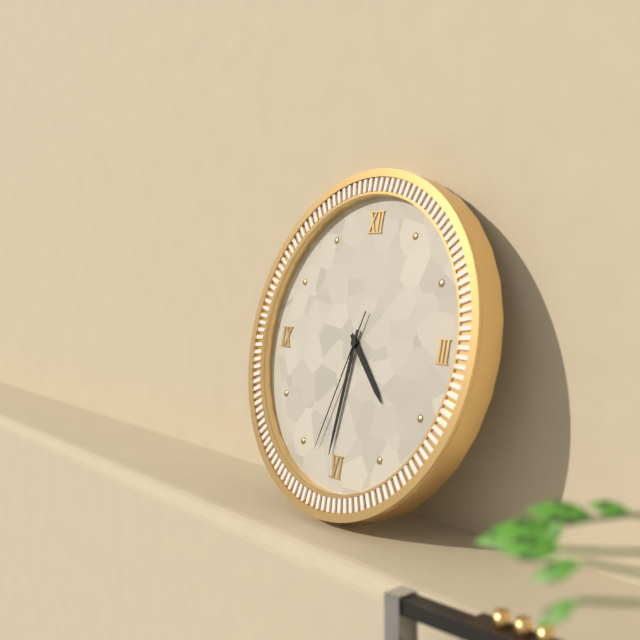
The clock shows 4.31.33
